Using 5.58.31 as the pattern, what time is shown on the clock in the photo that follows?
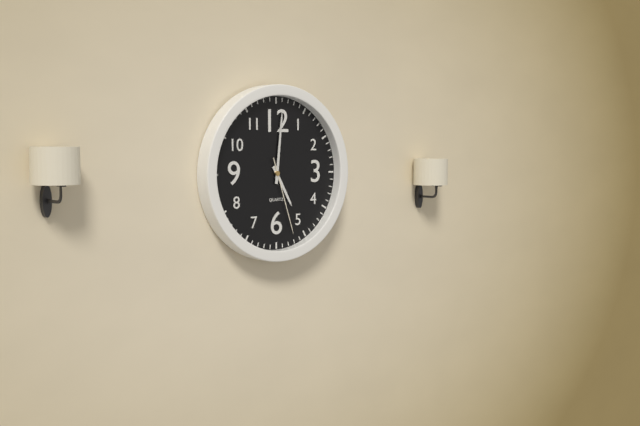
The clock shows 5.01.27
